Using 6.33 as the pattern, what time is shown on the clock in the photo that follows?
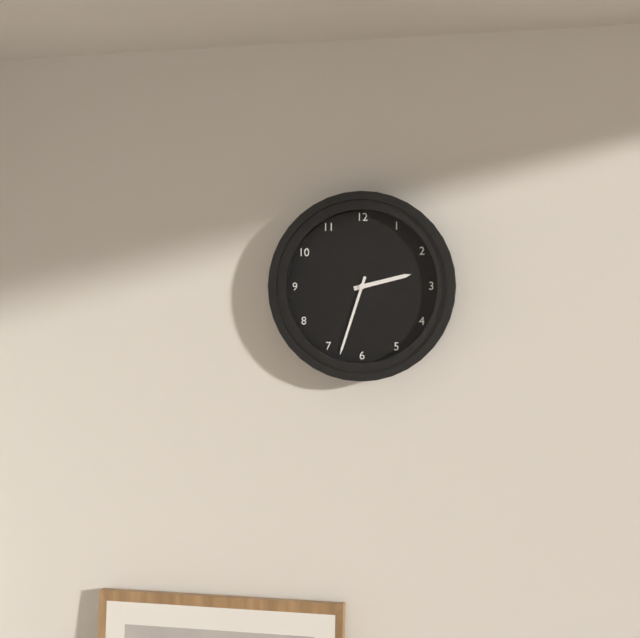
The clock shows 2.33
